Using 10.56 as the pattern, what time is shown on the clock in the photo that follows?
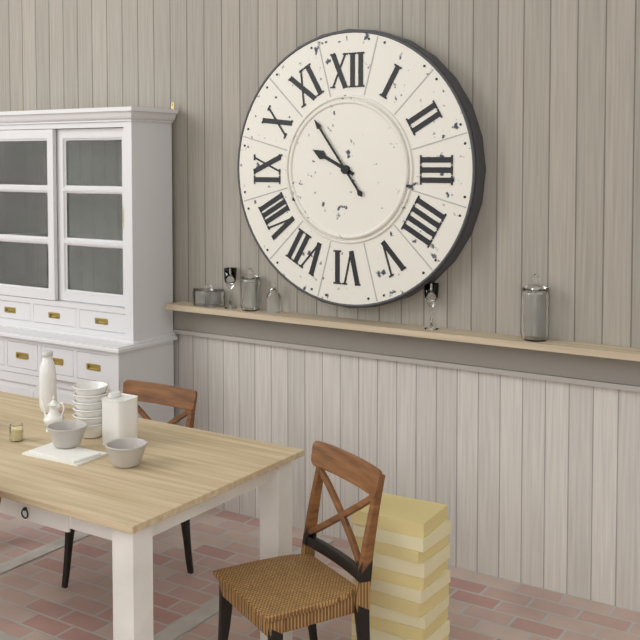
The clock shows 9.54
